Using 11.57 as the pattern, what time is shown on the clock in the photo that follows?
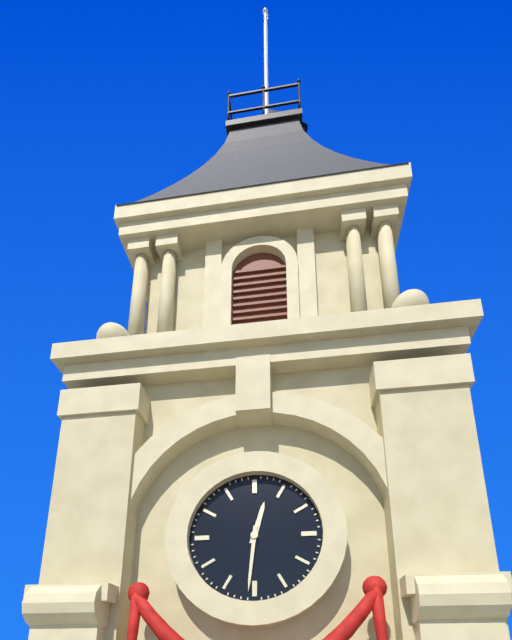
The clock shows 12.31
